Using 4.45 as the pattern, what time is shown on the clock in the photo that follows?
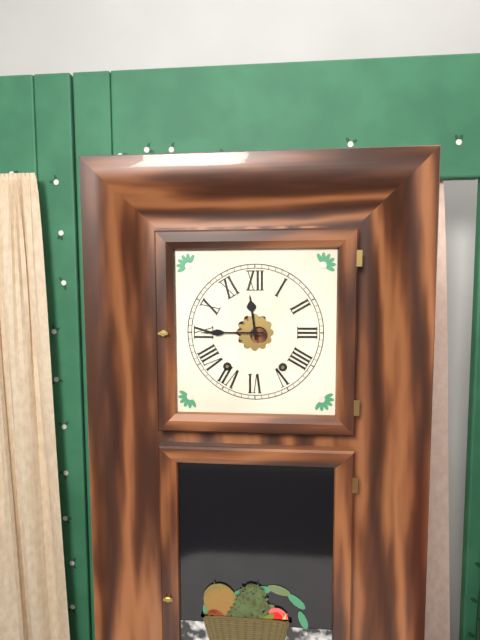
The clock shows 11.45
